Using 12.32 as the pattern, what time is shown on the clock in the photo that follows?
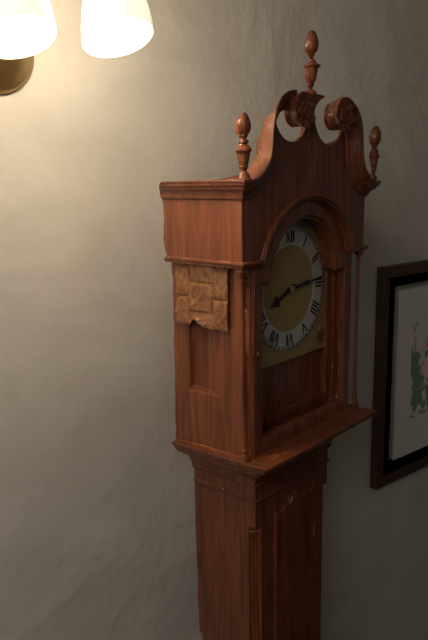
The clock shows 8.14
